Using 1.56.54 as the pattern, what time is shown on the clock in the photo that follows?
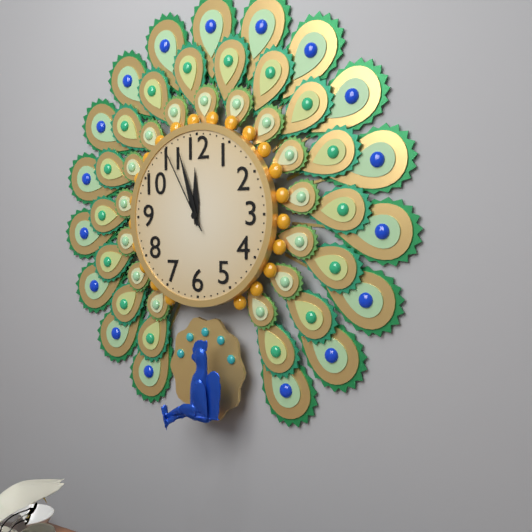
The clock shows 11.57.55
